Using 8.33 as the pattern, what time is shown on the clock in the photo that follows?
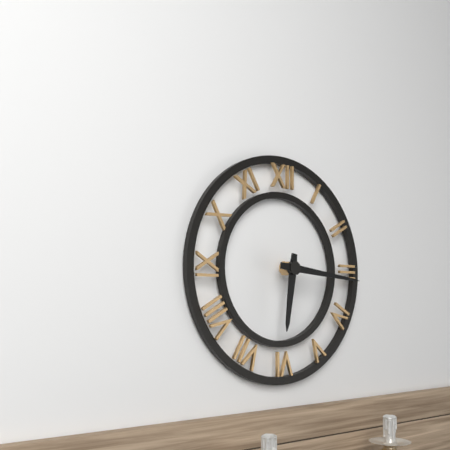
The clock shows 6.16
